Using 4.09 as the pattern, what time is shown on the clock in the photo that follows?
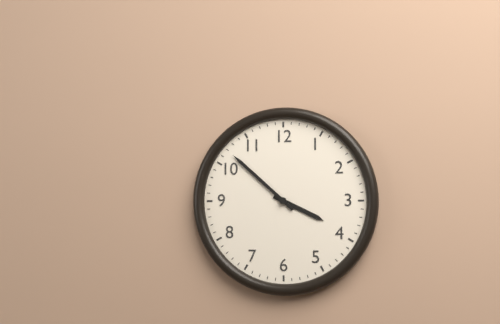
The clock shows 3.52
